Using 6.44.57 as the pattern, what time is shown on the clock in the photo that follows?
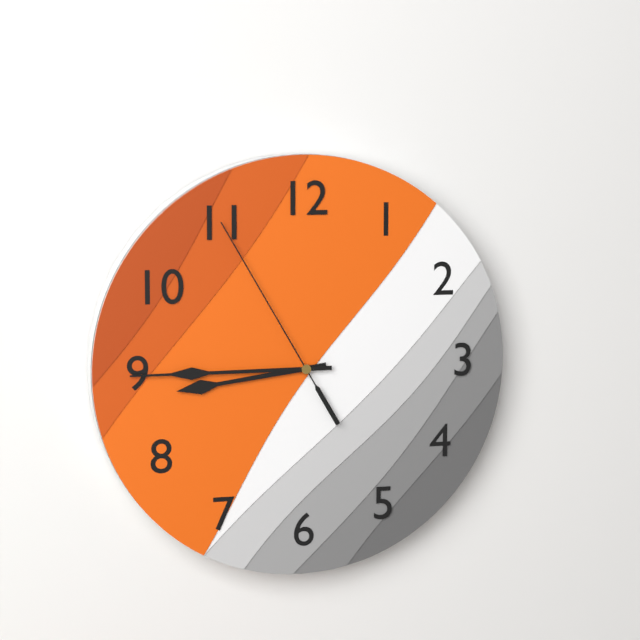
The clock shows 8.45.55
